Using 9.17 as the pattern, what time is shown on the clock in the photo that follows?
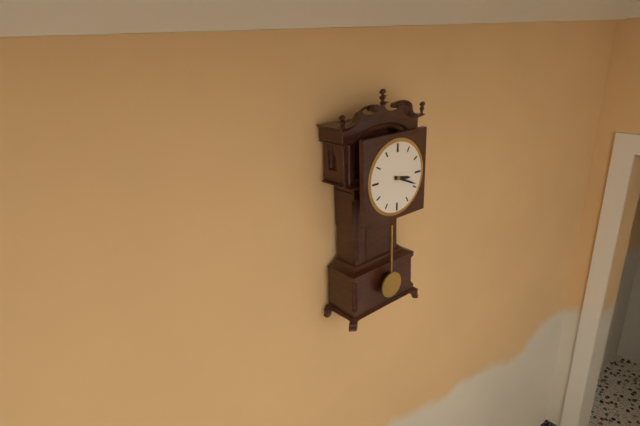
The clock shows 3.19
